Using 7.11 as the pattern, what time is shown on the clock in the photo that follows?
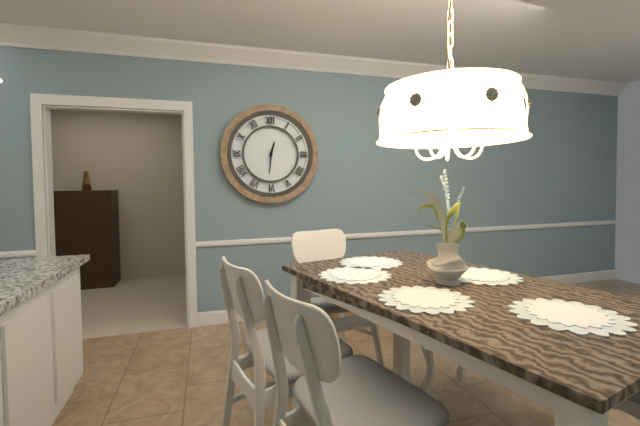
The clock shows 12.31
